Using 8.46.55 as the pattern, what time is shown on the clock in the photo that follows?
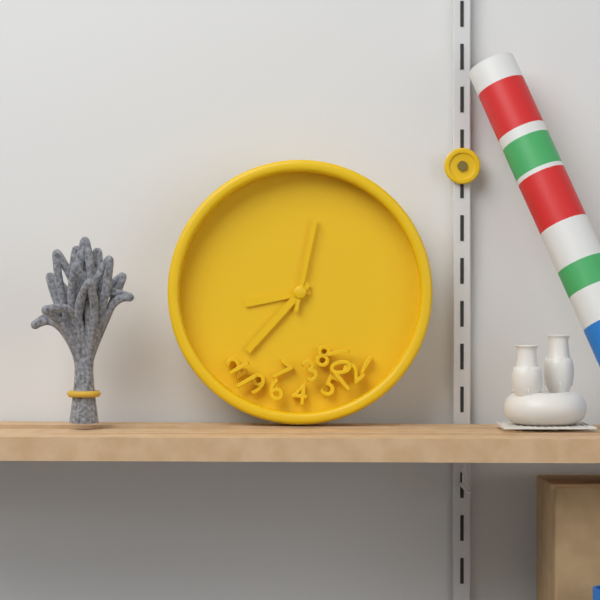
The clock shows 8.37.02
